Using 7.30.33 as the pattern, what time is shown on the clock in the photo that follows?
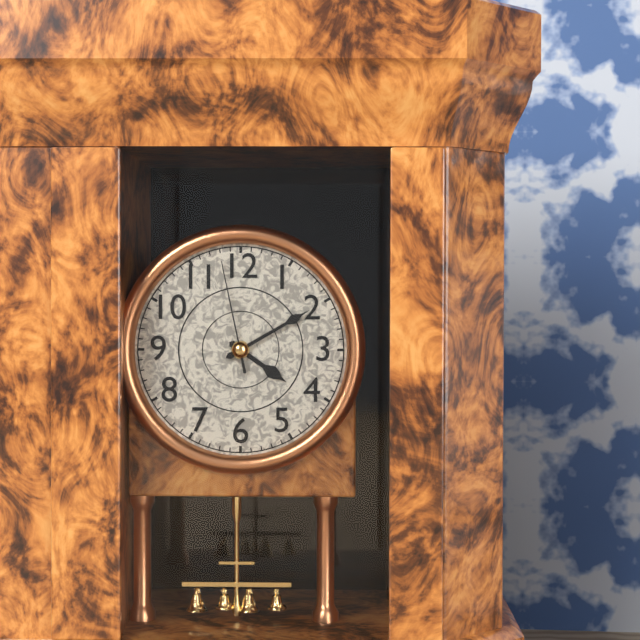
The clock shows 4.10.58
